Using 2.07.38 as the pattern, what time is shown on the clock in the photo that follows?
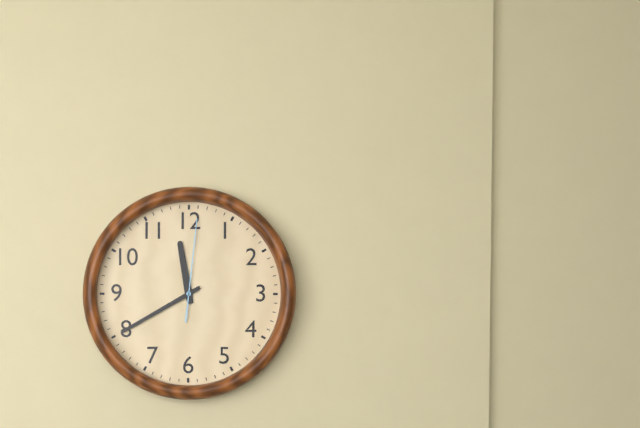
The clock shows 11.40.01
